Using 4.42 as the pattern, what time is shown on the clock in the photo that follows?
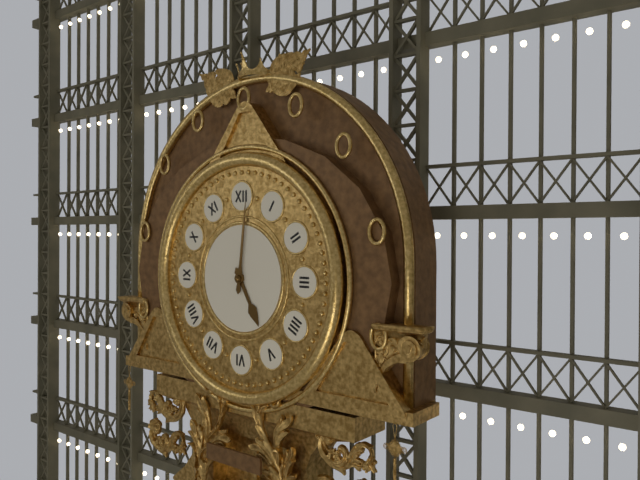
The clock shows 5.01
